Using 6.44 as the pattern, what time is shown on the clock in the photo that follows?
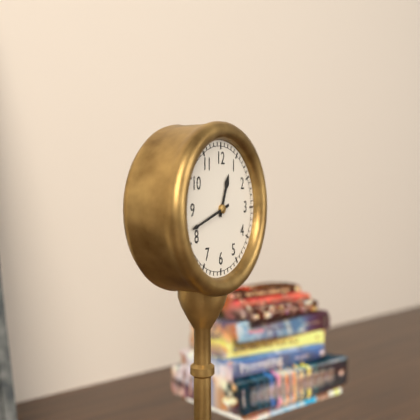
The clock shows 12.42
